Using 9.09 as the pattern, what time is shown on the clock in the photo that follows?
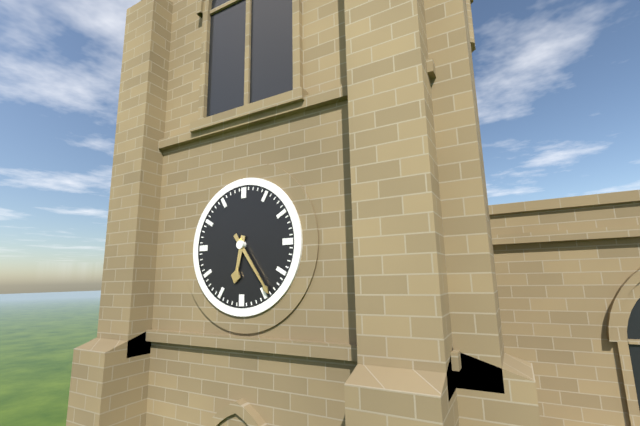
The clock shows 6.24
